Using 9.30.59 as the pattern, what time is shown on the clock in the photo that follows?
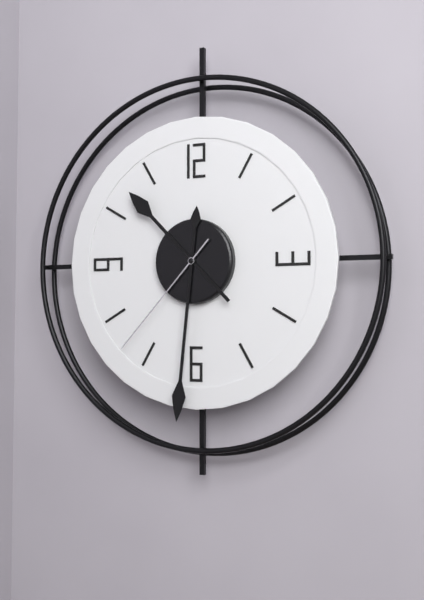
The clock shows 10.31.37
